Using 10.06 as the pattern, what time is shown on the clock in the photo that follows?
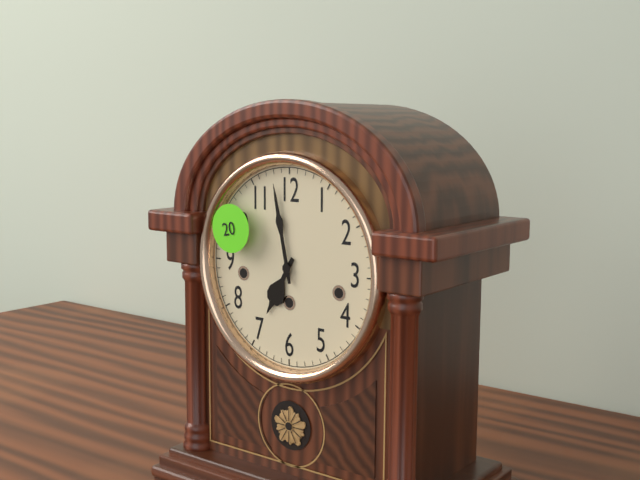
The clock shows 6.58
